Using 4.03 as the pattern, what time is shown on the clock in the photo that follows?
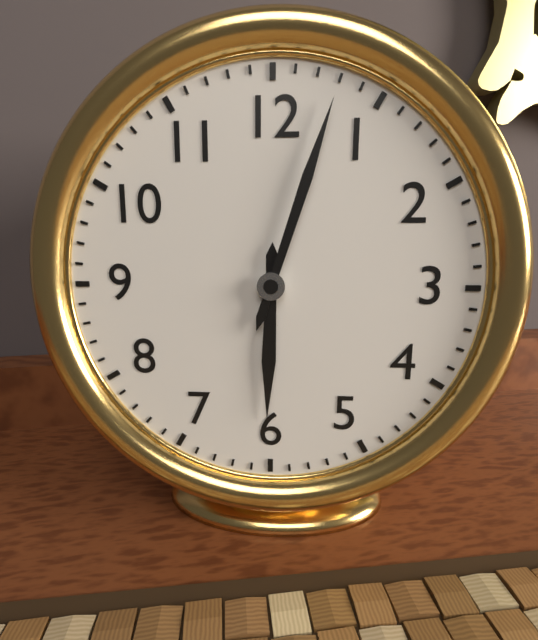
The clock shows 6.03
